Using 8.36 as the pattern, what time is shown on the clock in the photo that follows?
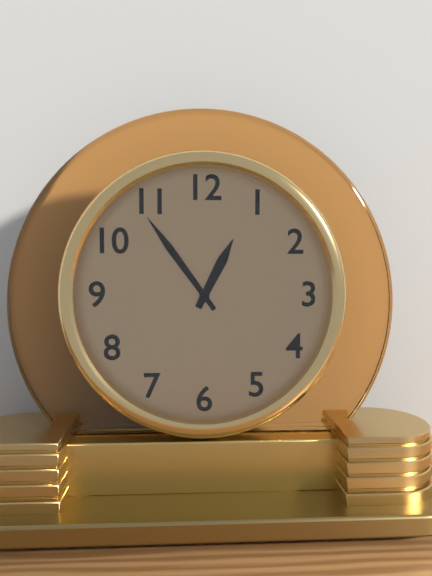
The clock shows 12.54
